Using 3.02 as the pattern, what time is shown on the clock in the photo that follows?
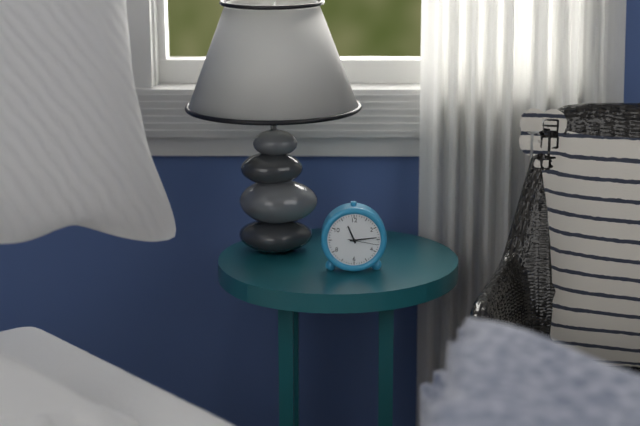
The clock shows 11.14
